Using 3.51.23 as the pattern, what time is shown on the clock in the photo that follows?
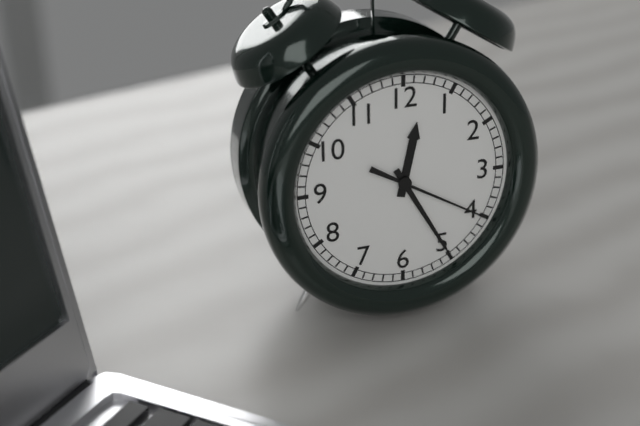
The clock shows 12.25.20
